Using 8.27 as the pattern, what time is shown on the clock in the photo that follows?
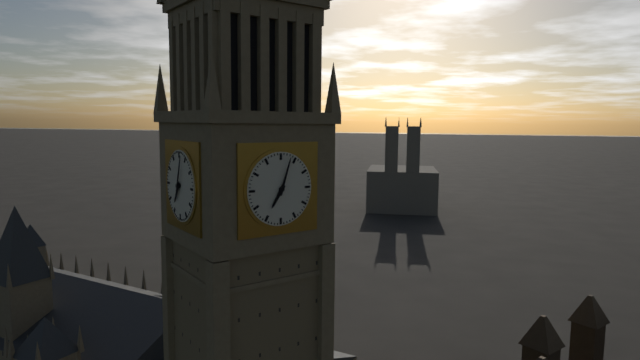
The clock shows 7.03
